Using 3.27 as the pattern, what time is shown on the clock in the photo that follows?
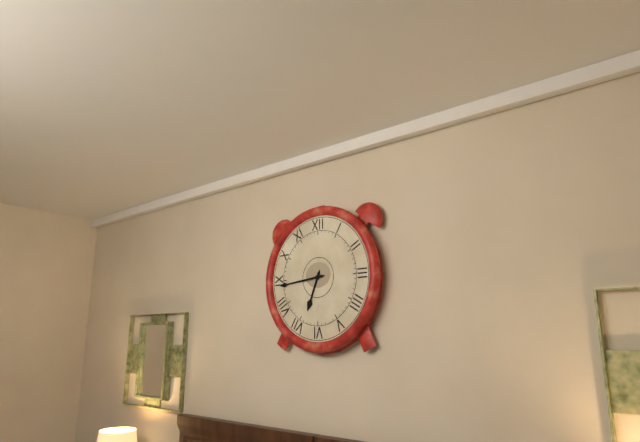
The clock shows 6.44
